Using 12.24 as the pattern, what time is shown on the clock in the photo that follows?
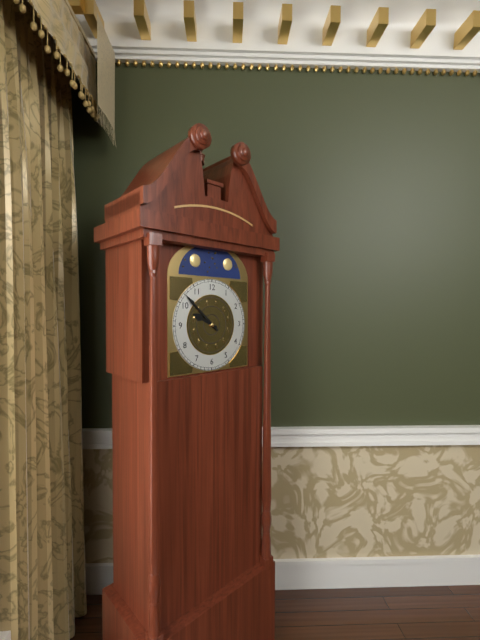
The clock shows 9.52
